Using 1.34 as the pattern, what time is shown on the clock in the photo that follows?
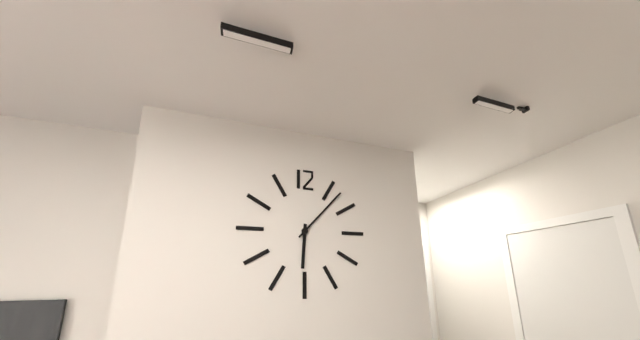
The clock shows 6.07
